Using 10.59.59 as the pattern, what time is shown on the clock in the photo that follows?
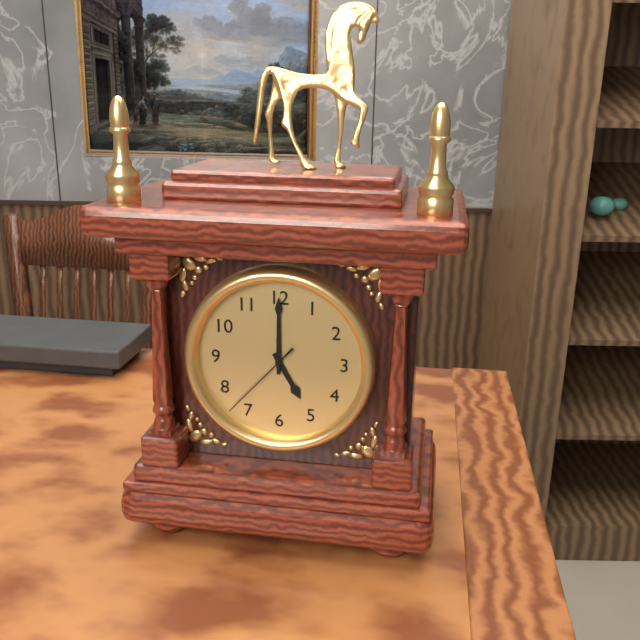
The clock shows 5.00.37
